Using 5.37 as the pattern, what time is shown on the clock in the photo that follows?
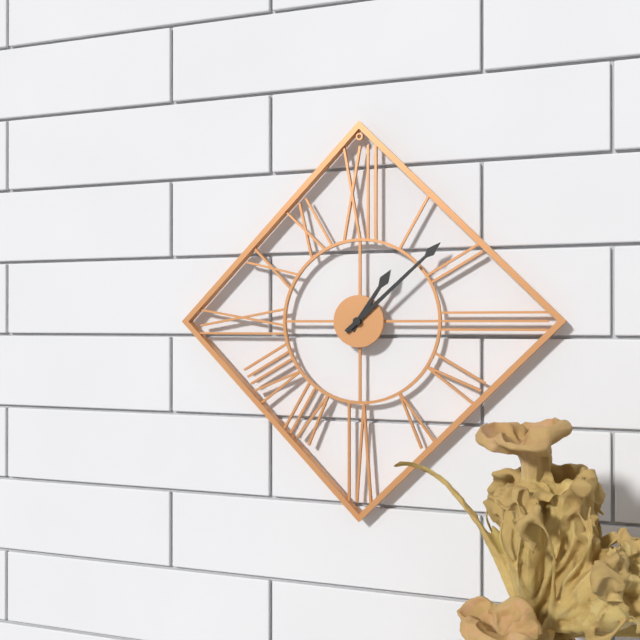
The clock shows 1.08
